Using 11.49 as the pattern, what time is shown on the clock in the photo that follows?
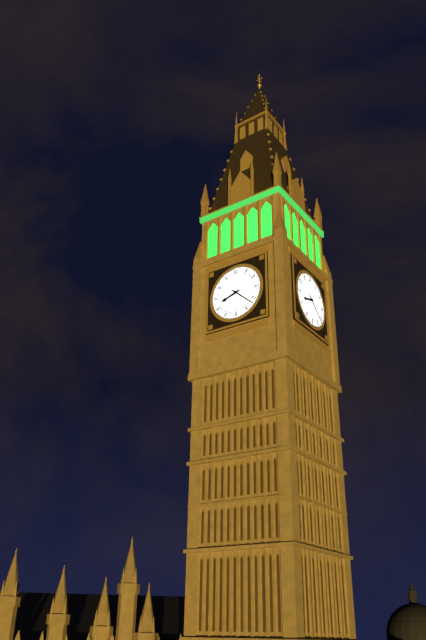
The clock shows 8.22
